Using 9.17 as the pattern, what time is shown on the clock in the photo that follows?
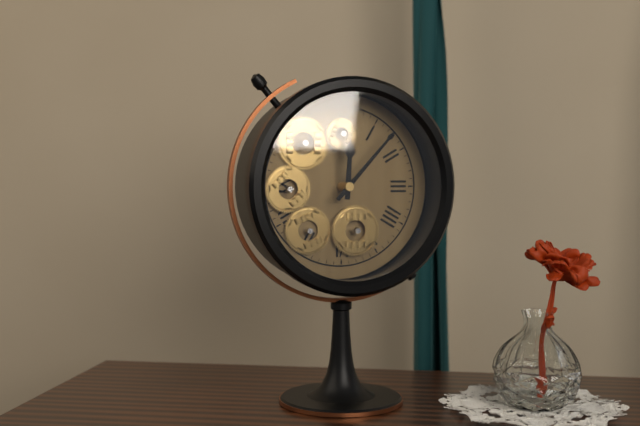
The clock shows 12.07
